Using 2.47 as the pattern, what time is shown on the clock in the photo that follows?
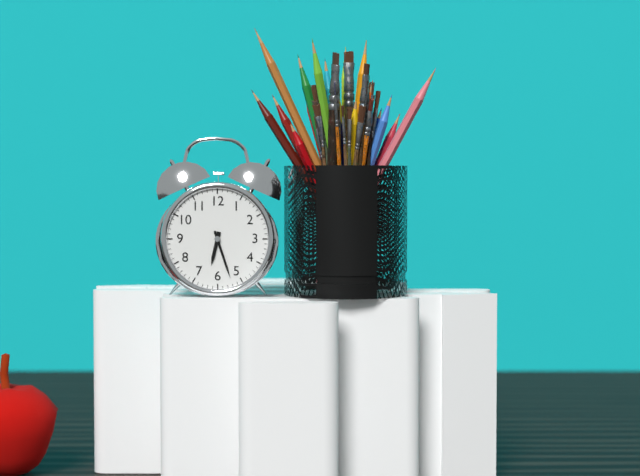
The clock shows 6.27
